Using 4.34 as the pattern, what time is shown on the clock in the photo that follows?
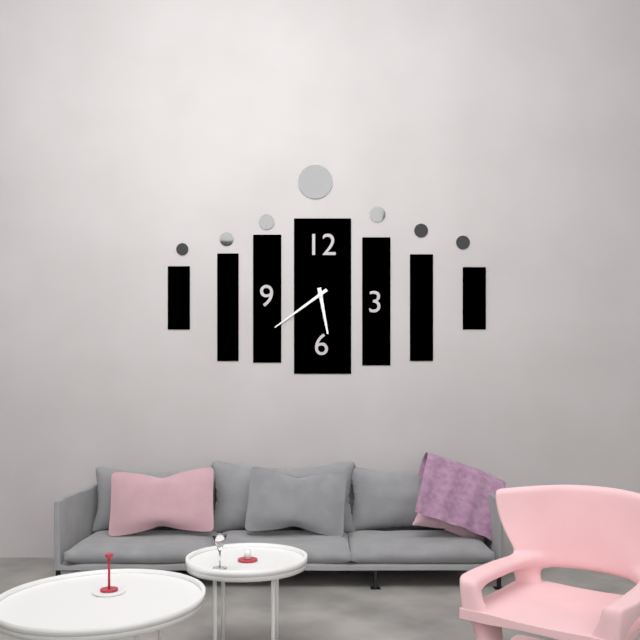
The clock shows 5.39
